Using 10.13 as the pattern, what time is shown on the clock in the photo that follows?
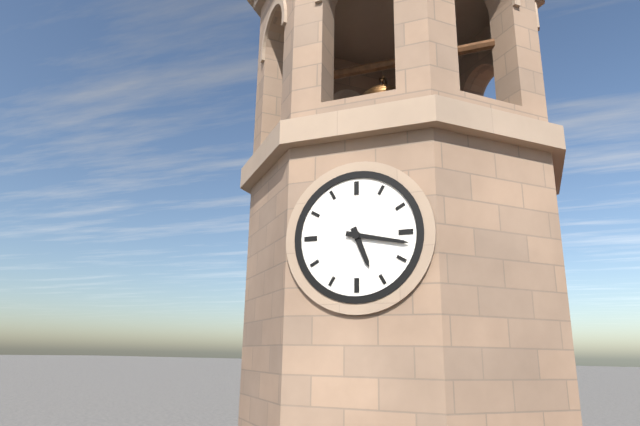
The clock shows 5.17
